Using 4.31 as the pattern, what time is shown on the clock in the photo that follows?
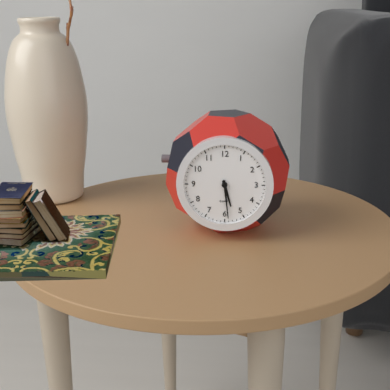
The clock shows 5.29
